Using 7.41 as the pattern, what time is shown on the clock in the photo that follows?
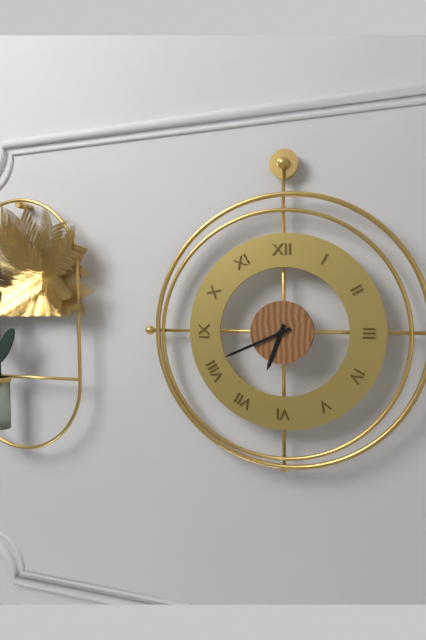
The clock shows 6.41
